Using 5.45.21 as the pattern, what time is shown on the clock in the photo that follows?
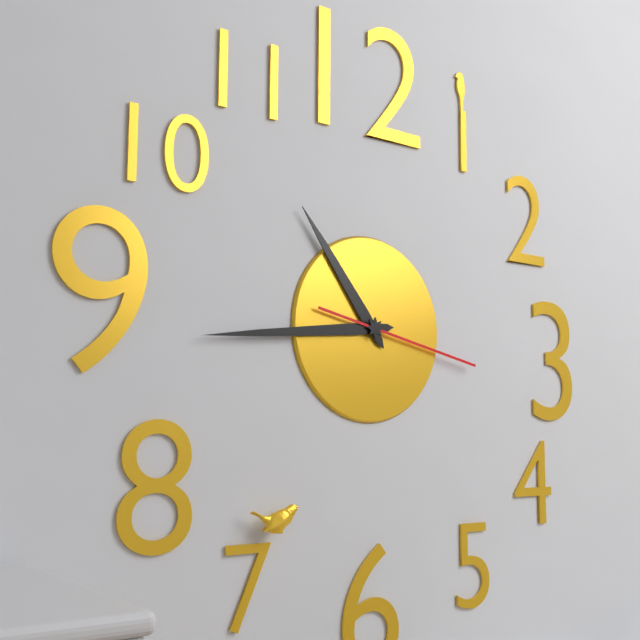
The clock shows 10.44.17
